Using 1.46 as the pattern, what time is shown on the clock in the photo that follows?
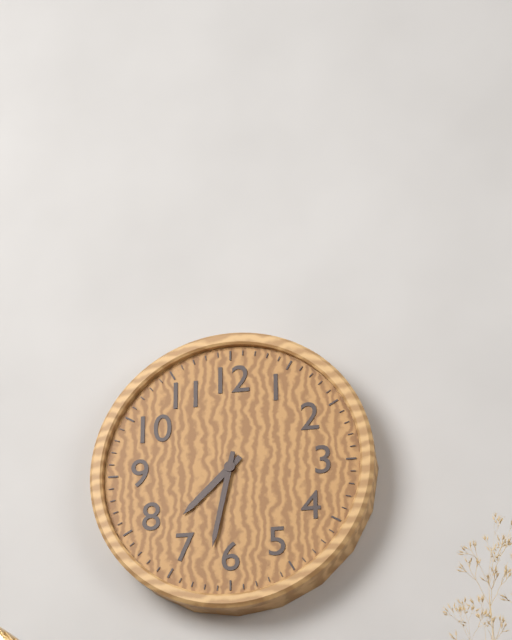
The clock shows 7.32
